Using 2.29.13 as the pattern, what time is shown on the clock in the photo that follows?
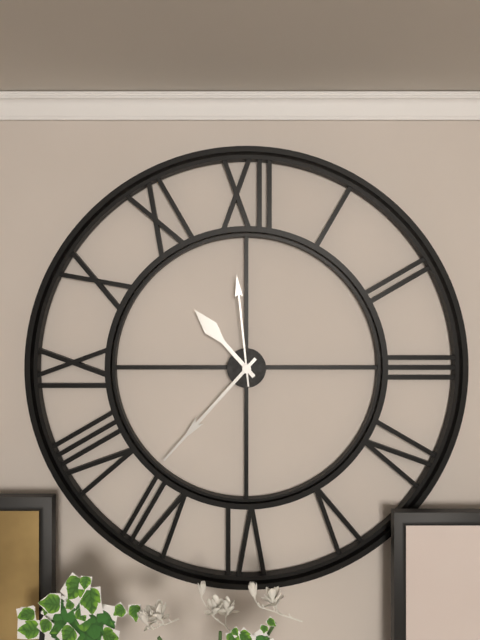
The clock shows 10.37.59
